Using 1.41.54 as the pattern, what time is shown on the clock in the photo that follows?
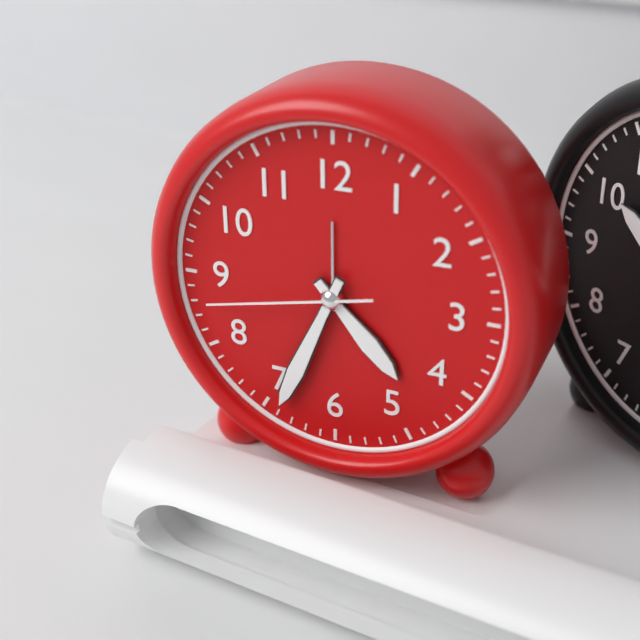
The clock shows 4.34.43
